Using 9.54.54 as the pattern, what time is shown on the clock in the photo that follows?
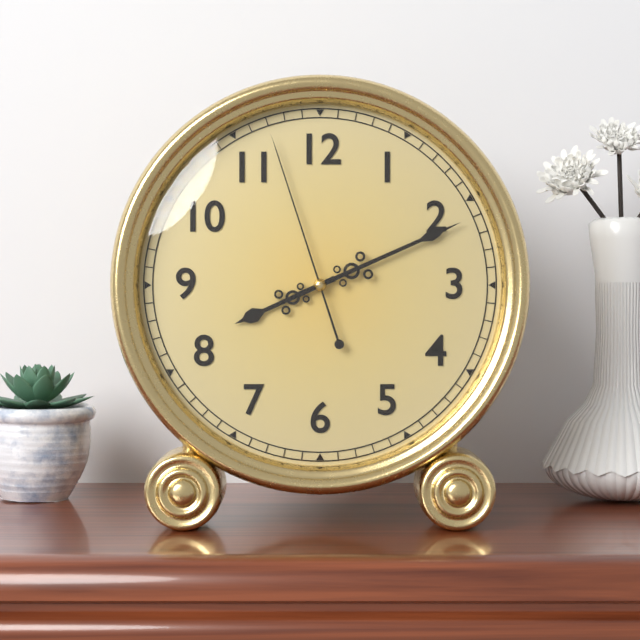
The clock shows 8.11.57
